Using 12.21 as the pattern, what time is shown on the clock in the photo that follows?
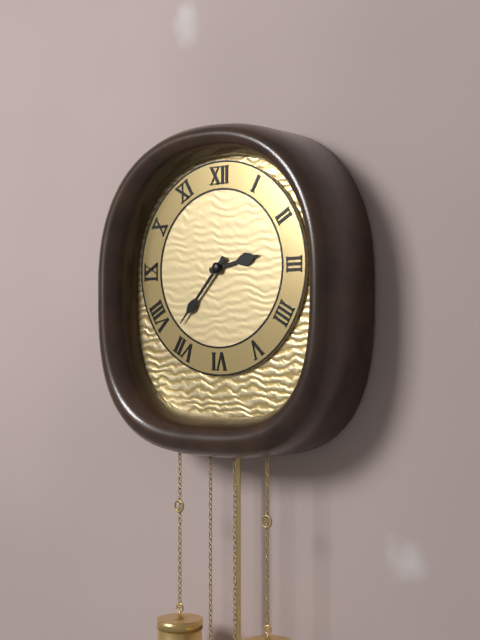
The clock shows 2.37
